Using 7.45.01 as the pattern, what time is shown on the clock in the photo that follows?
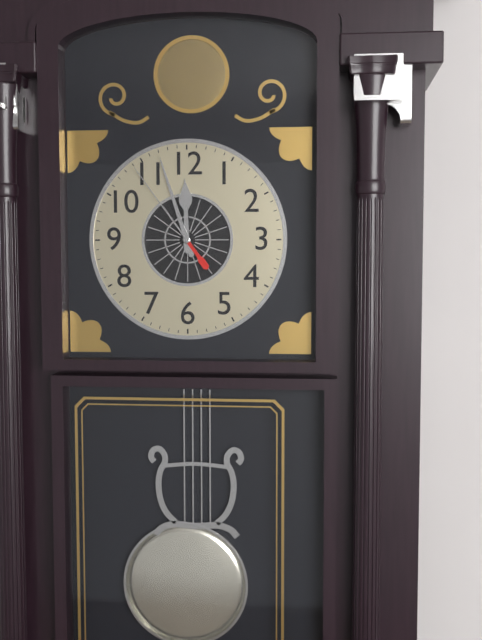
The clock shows 11.57.54
